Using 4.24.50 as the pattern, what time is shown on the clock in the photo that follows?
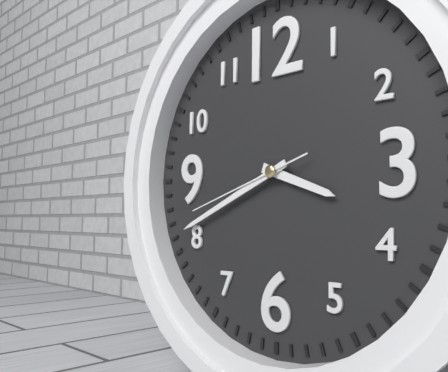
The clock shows 3.41.42
